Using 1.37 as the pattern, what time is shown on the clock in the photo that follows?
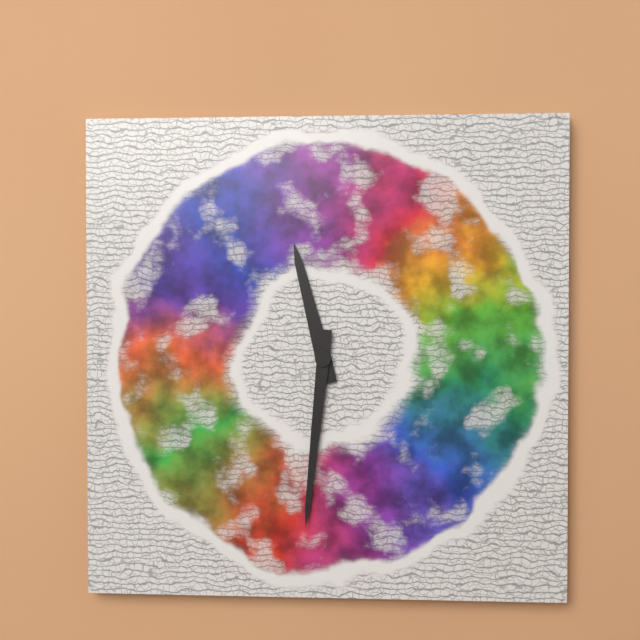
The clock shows 11.31
